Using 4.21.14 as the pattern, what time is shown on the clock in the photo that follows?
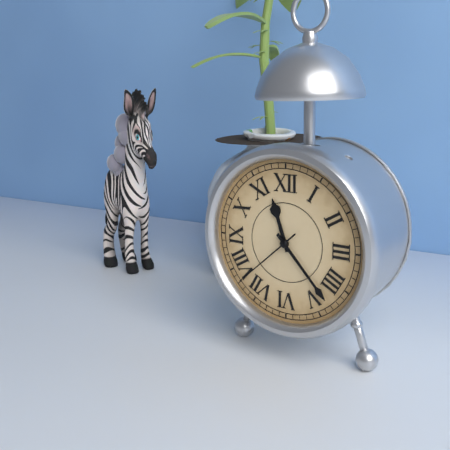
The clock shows 11.23.38
